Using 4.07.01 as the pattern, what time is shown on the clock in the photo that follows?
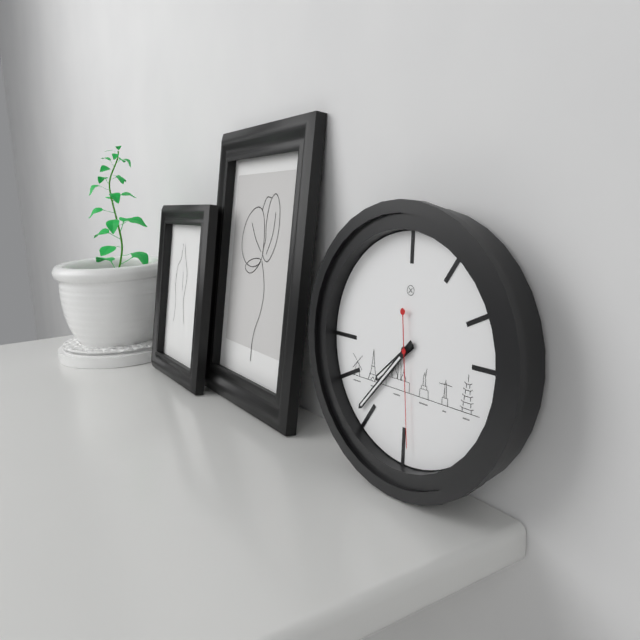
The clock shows 7.37.29
